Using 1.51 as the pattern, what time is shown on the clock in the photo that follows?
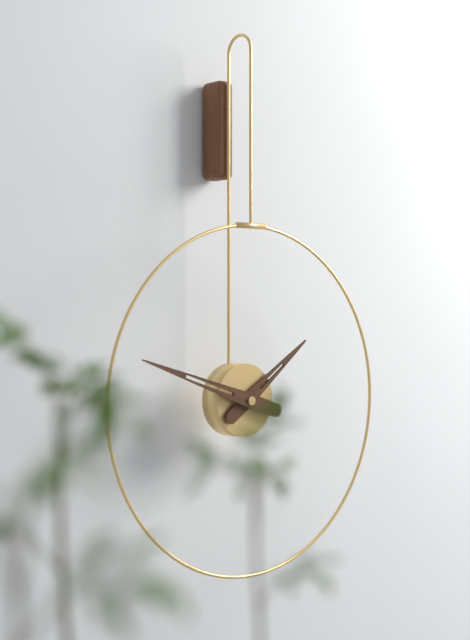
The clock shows 1.48
